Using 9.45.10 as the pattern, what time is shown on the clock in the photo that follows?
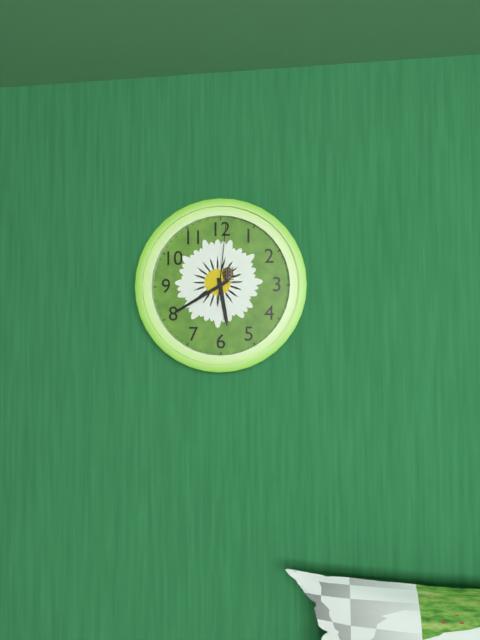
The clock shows 5.40.01
